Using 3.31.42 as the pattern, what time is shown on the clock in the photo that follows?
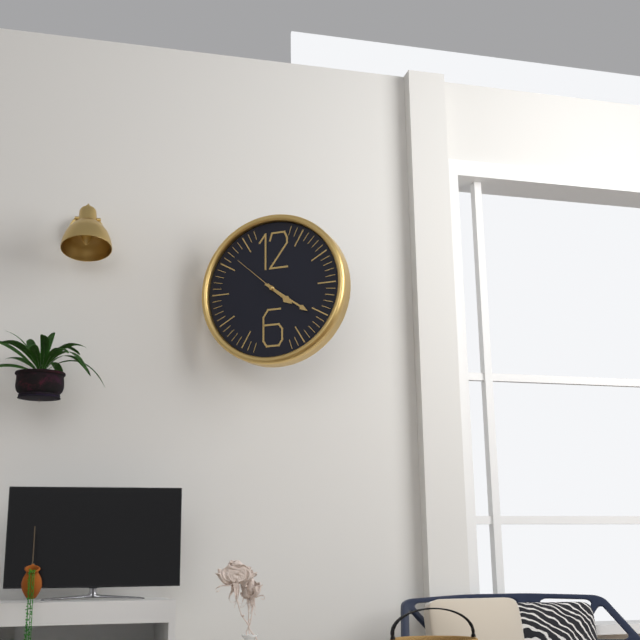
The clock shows 4.21.52
